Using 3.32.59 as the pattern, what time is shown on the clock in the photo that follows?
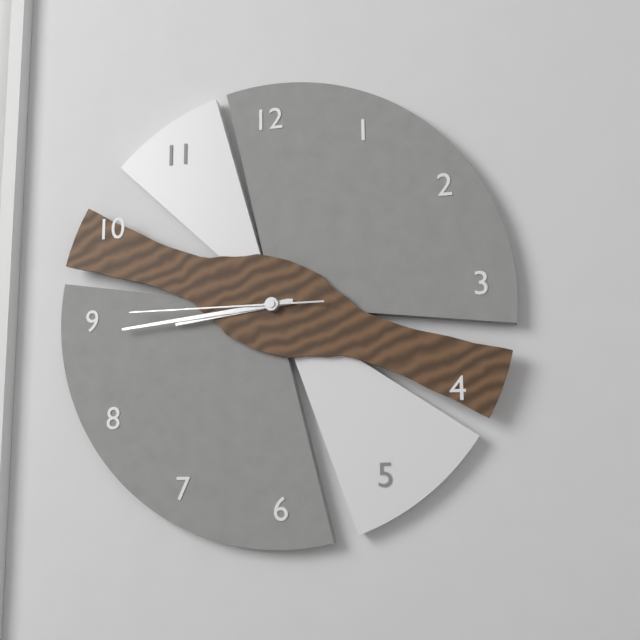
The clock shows 8.44.45
